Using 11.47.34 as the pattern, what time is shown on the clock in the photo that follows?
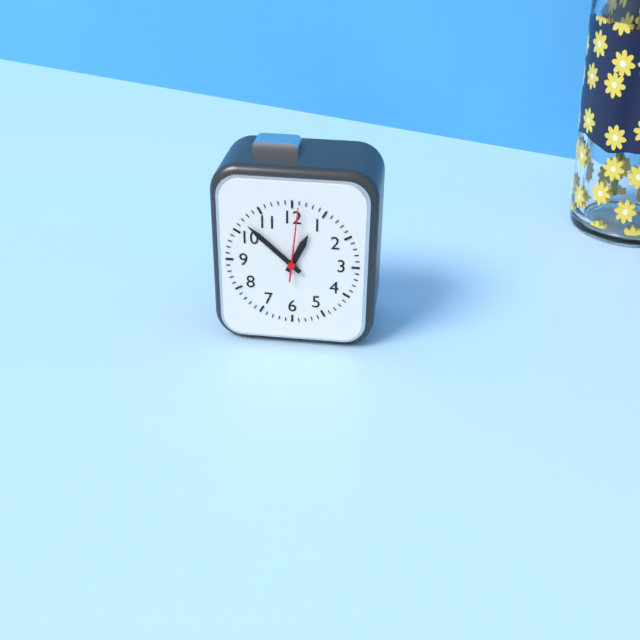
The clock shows 12.52.01
